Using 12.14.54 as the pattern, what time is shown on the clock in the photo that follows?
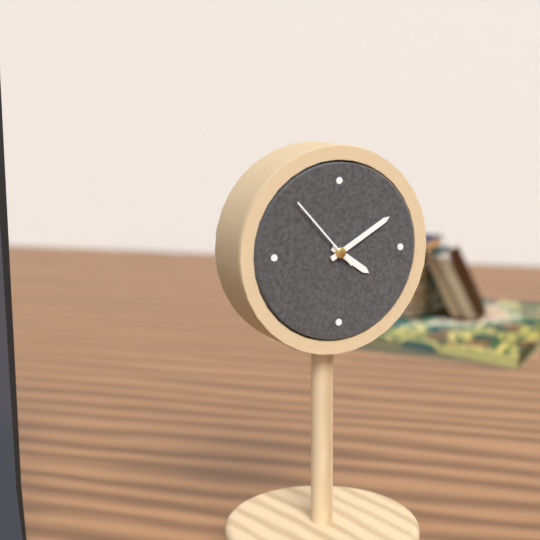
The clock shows 4.10.53
